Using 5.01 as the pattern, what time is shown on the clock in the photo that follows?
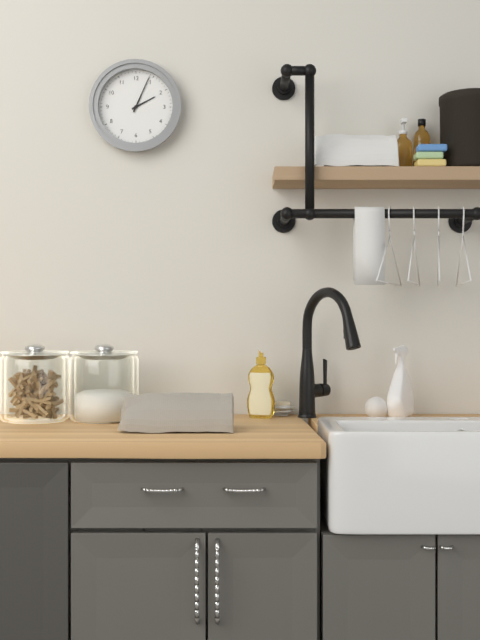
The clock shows 2.04
